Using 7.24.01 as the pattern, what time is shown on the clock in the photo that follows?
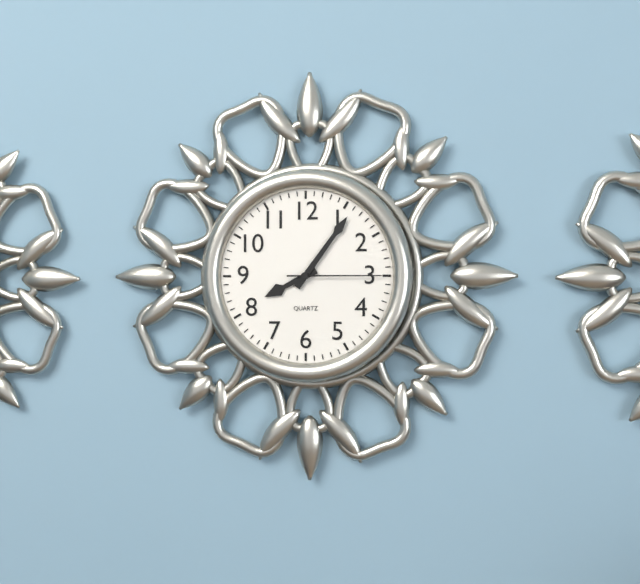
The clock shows 8.06.15
